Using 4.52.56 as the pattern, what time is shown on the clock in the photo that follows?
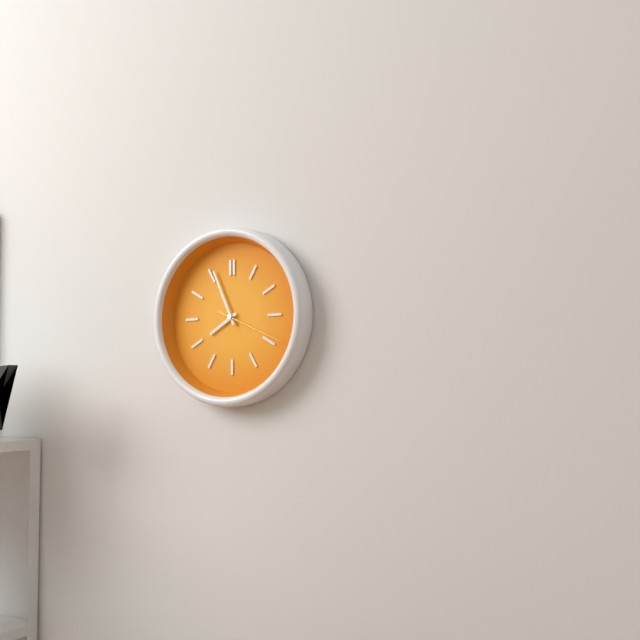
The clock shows 7.56.19
